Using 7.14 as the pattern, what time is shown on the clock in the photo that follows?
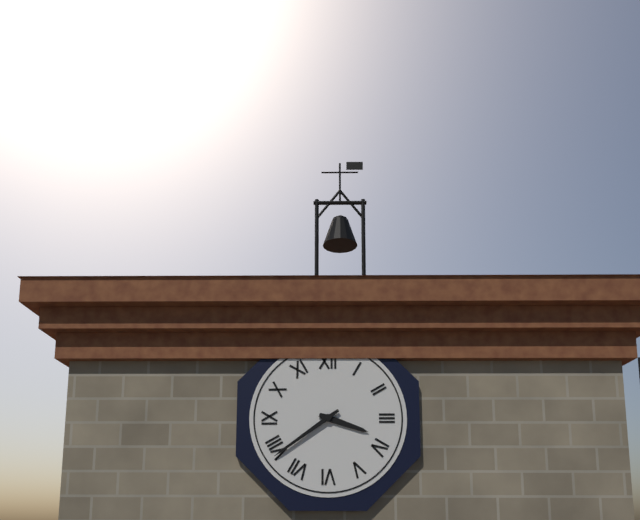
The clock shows 3.39
